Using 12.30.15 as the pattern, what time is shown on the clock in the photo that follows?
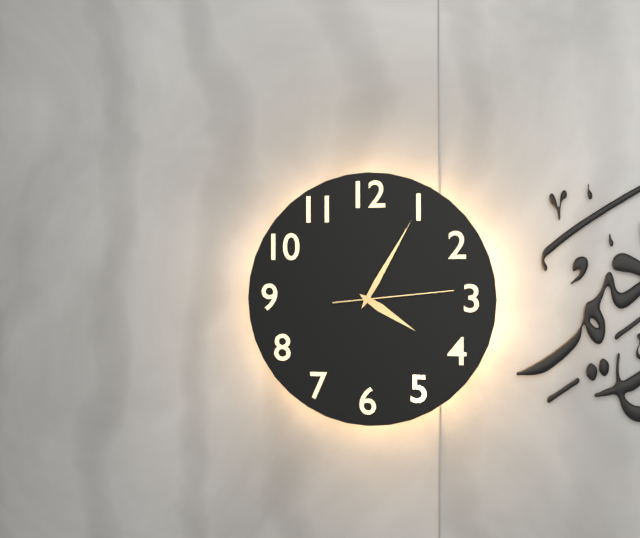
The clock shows 4.05.14
